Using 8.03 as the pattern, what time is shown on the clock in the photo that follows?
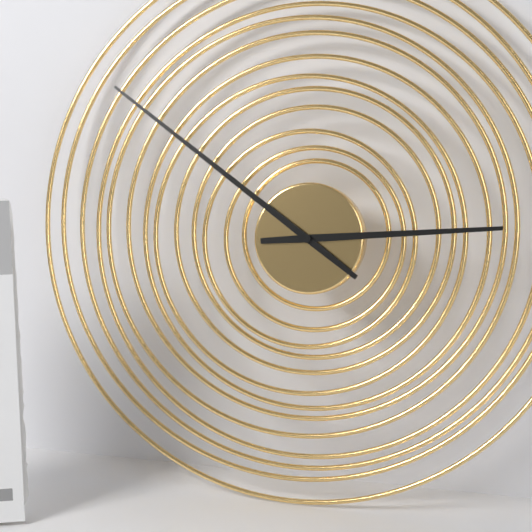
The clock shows 2.51
